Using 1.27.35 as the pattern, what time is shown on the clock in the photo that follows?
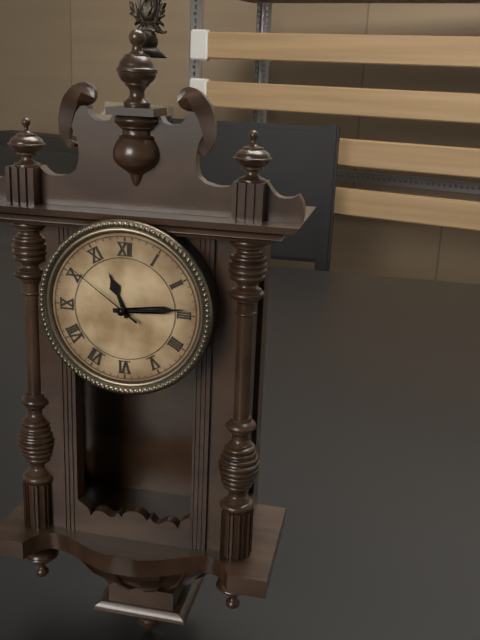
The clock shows 11.14.51
